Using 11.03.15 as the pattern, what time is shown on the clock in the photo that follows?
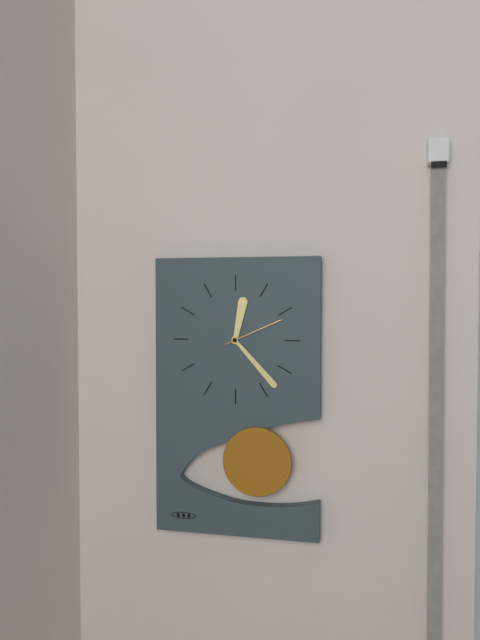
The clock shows 12.23.11
